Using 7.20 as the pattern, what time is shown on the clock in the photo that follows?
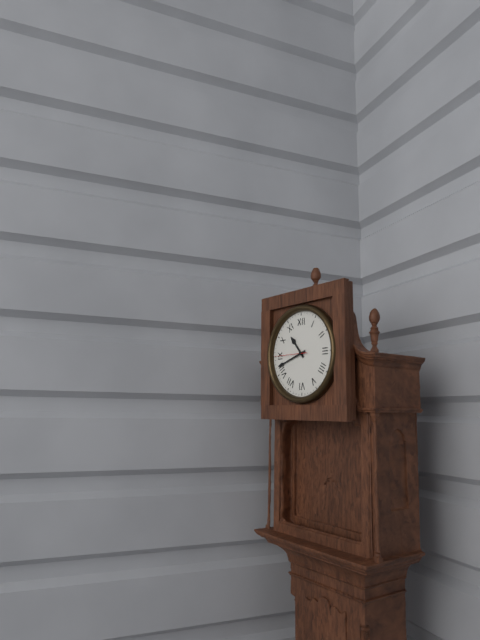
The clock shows 10.42
